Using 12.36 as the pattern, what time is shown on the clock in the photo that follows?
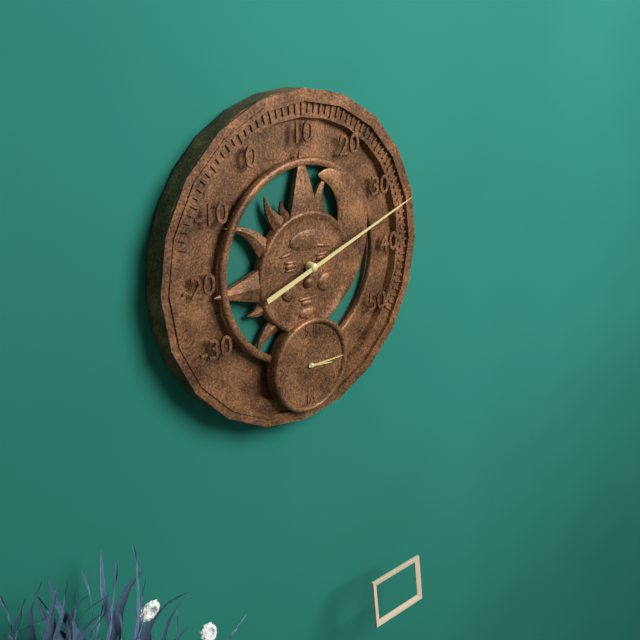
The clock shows 3.15
